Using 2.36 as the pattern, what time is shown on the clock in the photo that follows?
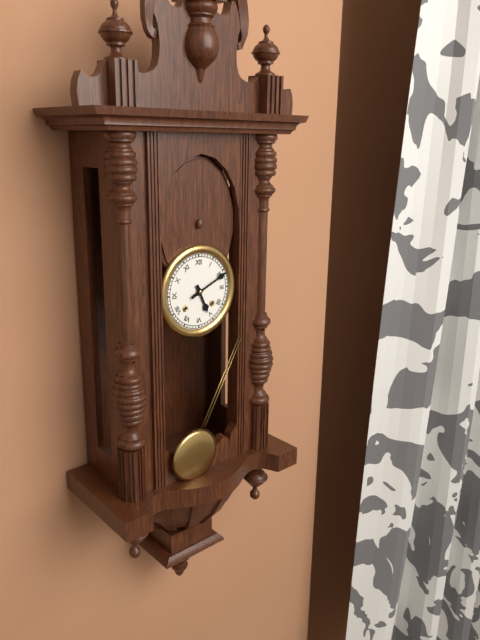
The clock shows 5.11
